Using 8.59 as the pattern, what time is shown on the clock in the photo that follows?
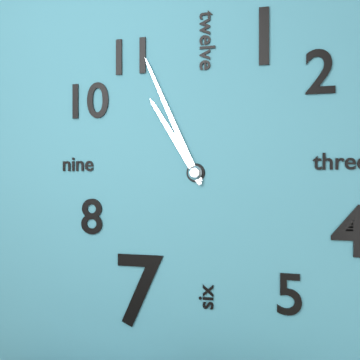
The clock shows 10.56
